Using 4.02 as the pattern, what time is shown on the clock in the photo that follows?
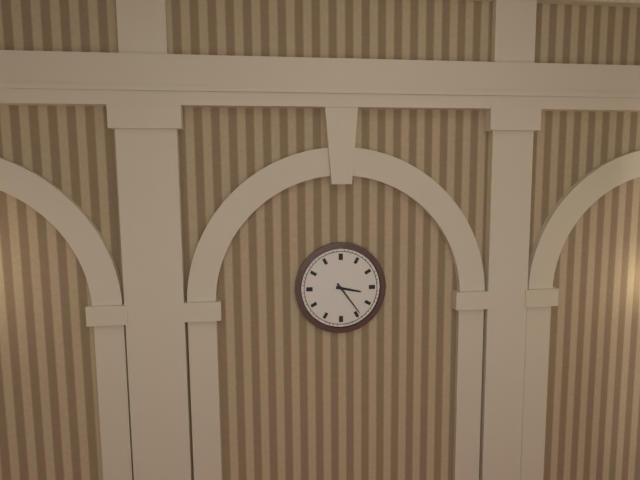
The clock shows 3.24
